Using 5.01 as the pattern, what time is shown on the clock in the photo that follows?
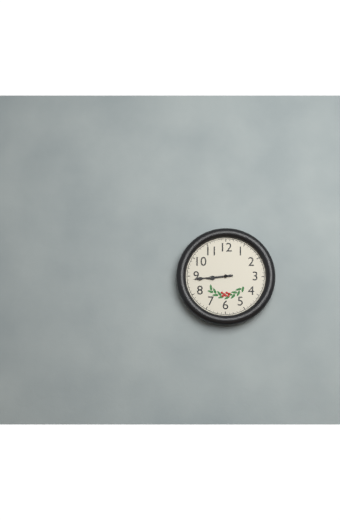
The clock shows 8.44
